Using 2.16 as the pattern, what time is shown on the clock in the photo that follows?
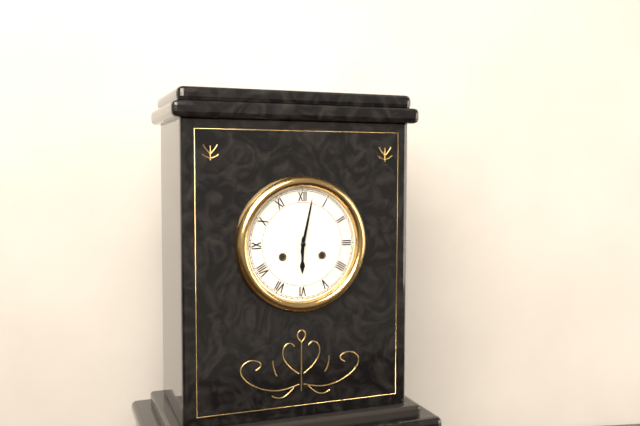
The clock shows 6.02
